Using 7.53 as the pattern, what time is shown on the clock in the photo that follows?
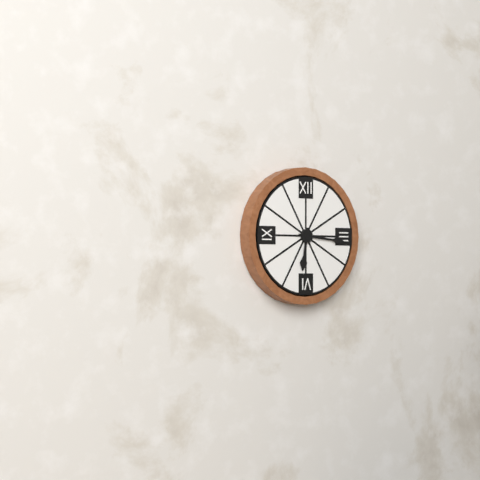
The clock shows 6.16
